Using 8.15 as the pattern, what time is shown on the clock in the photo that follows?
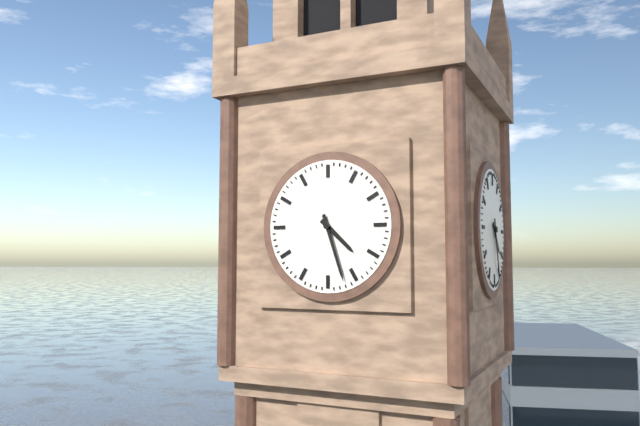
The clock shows 4.27
